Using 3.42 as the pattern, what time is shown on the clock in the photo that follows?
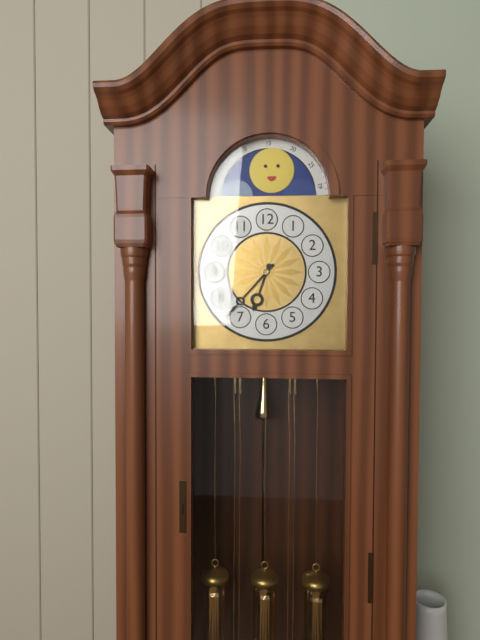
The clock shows 6.37
